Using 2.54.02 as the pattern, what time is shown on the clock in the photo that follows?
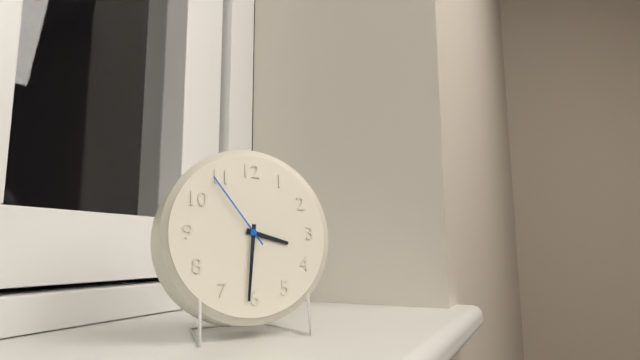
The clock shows 3.31.54
